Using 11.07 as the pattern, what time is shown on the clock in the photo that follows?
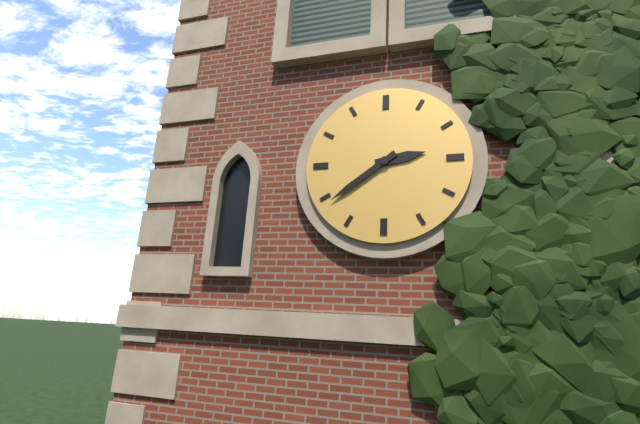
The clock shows 2.39
